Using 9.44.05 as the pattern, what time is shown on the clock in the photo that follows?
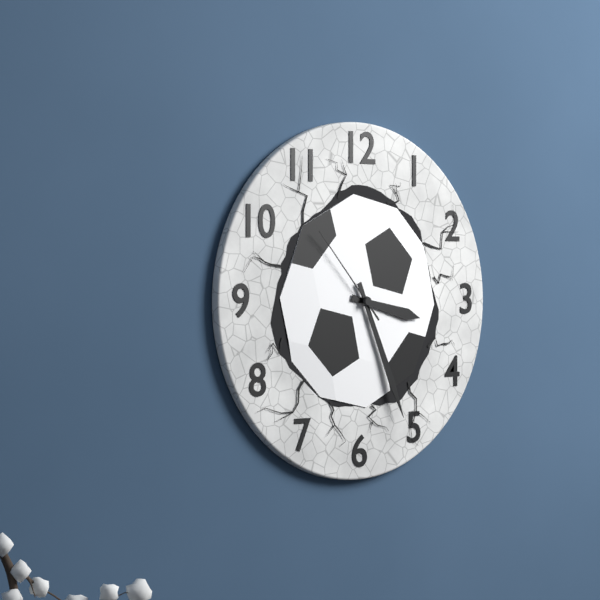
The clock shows 3.26.53
